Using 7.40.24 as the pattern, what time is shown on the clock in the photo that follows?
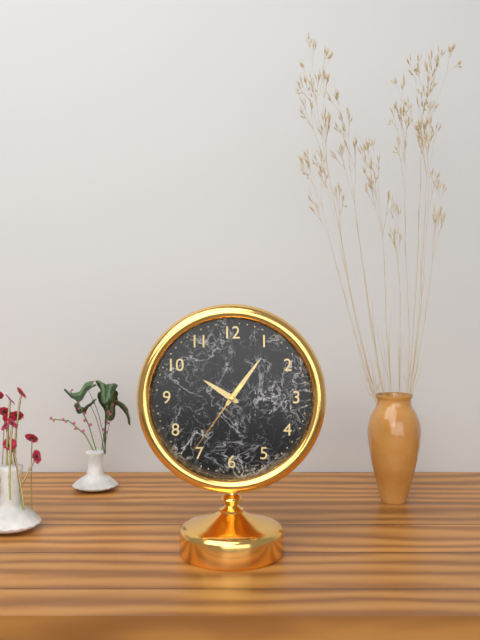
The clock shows 10.06.36
